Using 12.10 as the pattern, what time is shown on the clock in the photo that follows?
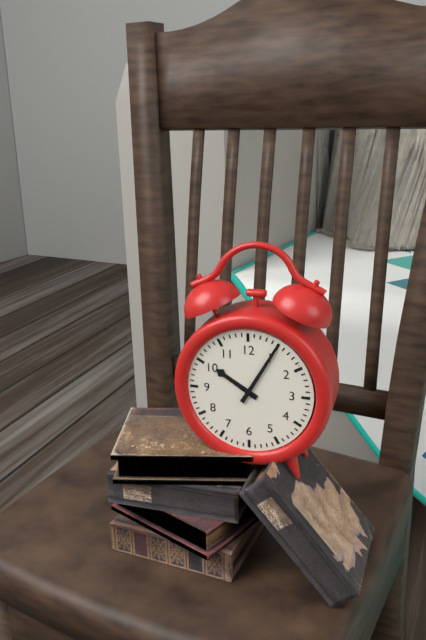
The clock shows 10.05
